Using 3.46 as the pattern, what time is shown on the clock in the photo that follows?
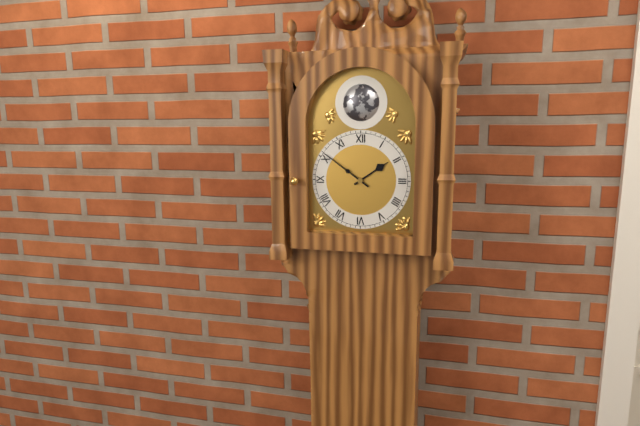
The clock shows 1.51
